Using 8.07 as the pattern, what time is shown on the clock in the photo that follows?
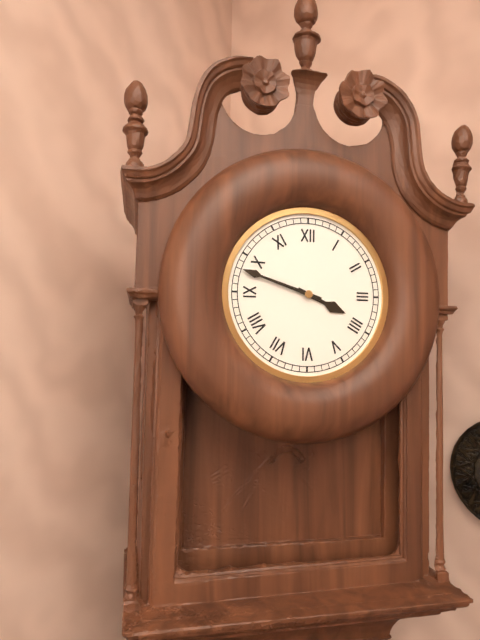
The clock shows 3.48
